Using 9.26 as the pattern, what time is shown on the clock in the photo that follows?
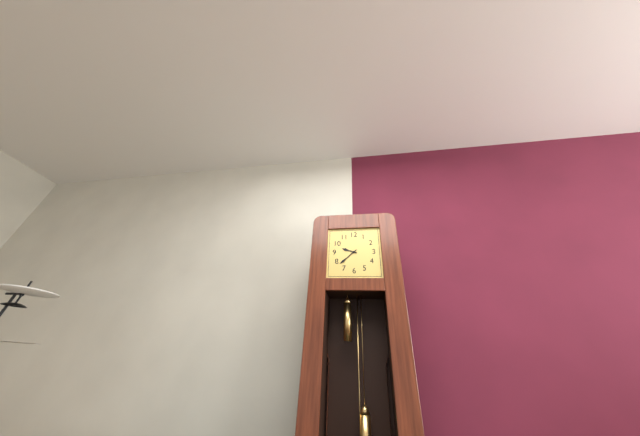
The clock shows 9.38
